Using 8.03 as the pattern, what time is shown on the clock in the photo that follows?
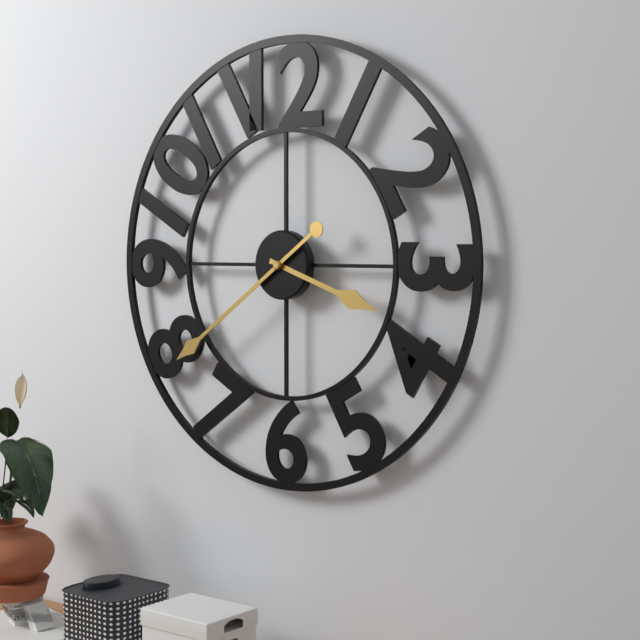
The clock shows 3.39
